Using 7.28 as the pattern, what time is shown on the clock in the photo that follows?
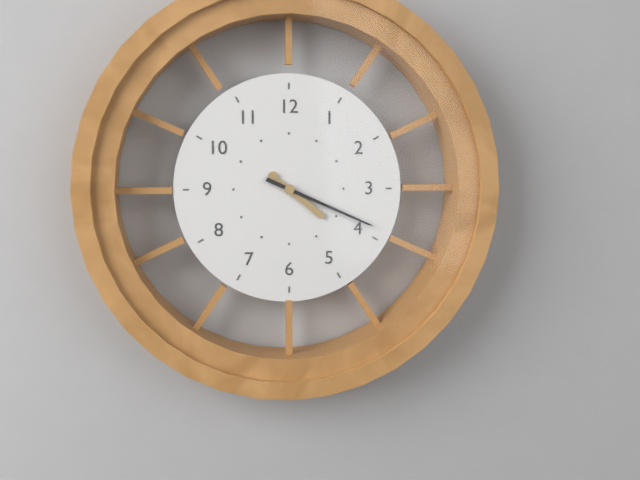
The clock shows 4.19
